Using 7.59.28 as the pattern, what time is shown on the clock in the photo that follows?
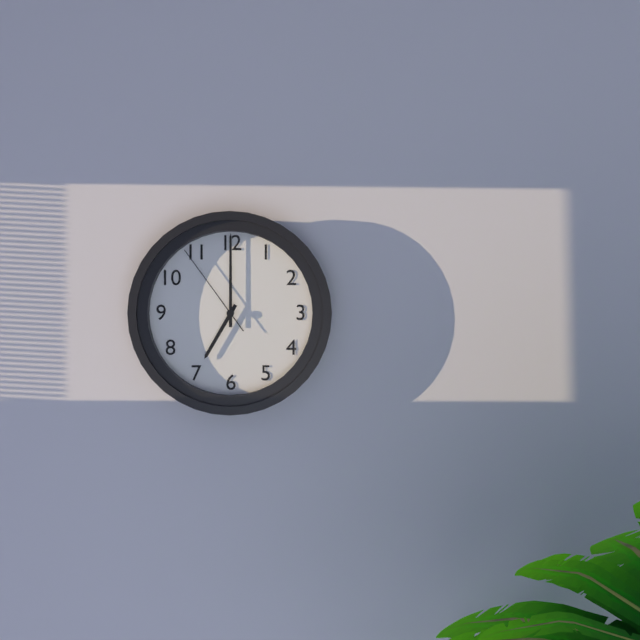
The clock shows 7.00.54
